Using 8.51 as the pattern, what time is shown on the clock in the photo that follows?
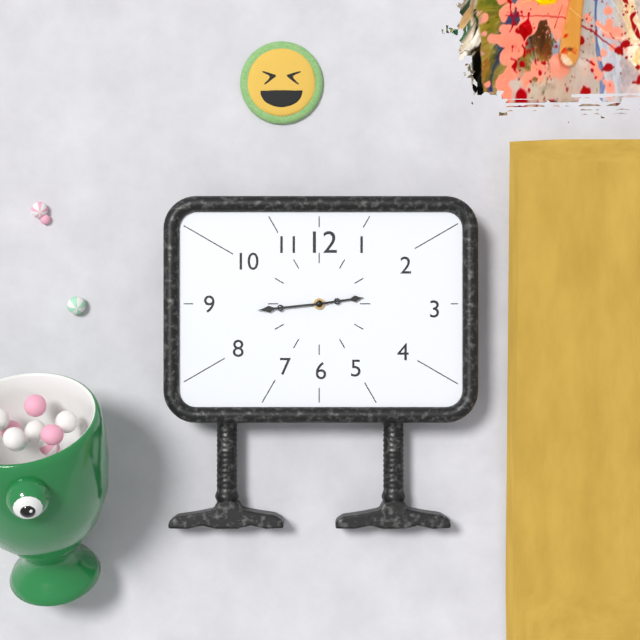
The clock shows 2.44
